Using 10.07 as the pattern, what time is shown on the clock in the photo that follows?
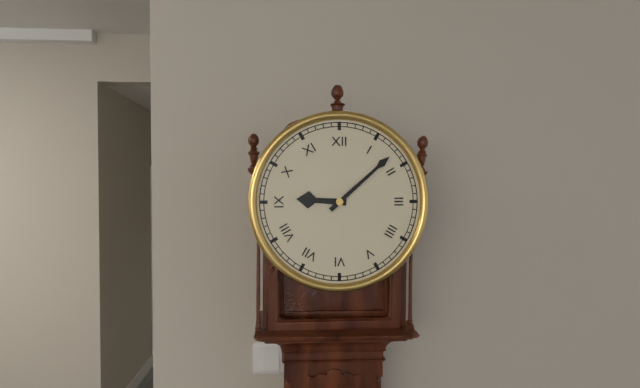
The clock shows 9.08
